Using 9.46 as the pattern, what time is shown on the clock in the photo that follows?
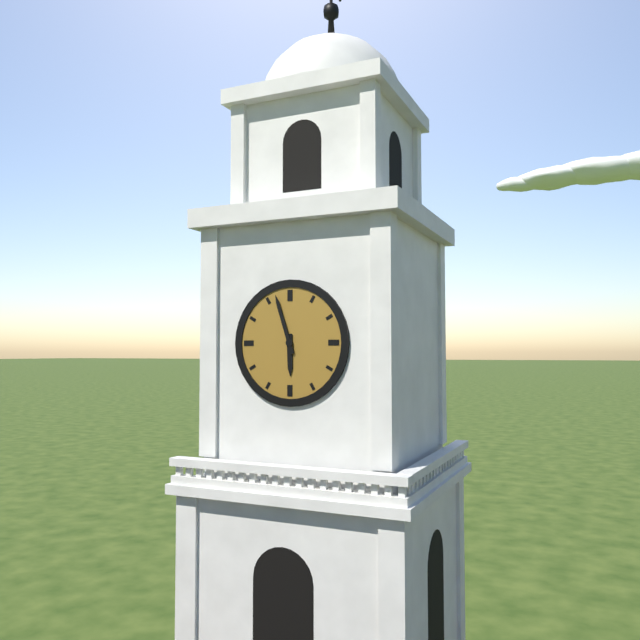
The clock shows 5.57
